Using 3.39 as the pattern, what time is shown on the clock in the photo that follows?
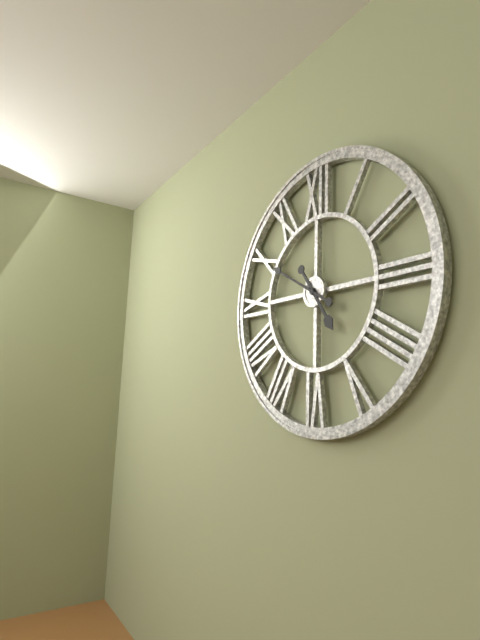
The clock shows 4.50
